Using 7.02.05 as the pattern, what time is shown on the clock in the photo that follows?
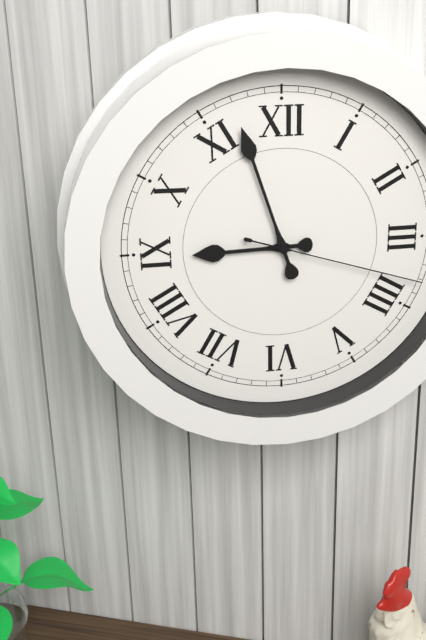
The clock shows 8.57.18
